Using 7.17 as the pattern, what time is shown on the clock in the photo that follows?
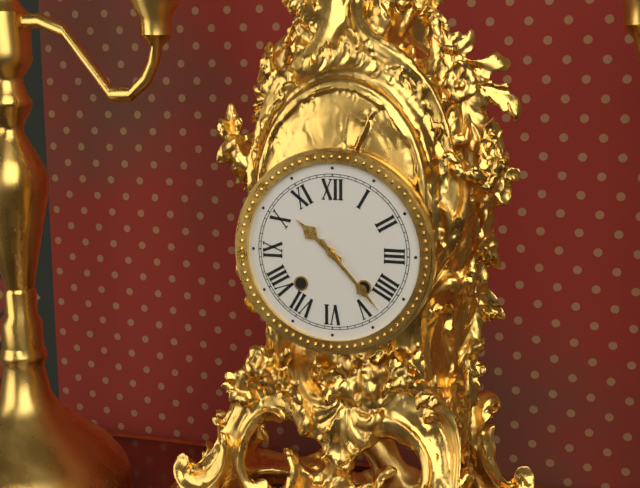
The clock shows 10.23
